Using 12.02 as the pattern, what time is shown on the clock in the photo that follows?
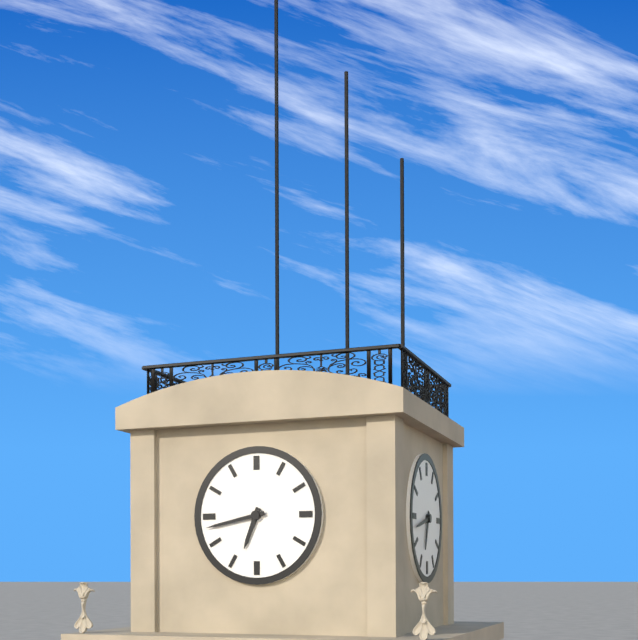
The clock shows 6.43
